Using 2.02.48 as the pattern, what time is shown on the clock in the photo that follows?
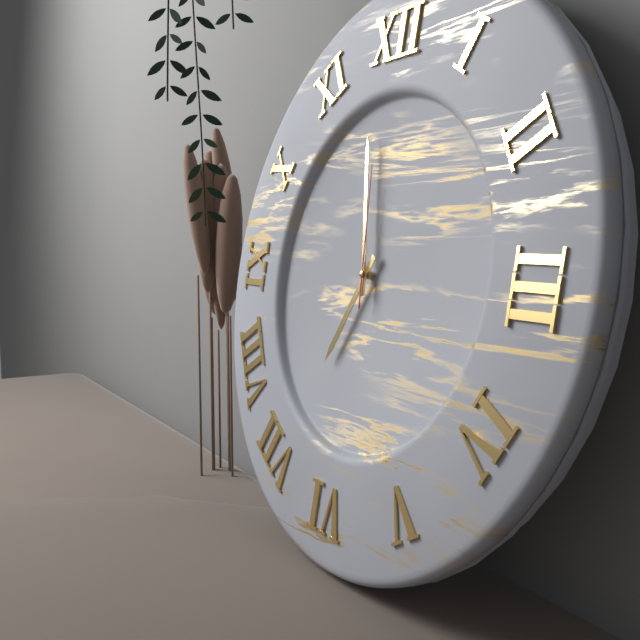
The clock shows 6.58.59
